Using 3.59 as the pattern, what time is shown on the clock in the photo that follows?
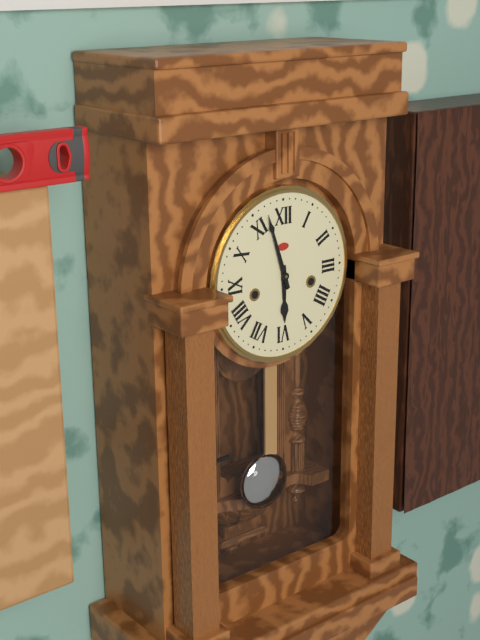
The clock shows 5.57
